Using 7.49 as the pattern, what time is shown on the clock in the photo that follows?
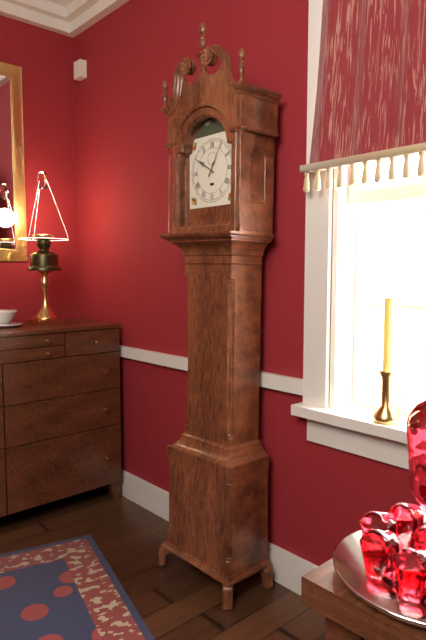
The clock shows 10.05
